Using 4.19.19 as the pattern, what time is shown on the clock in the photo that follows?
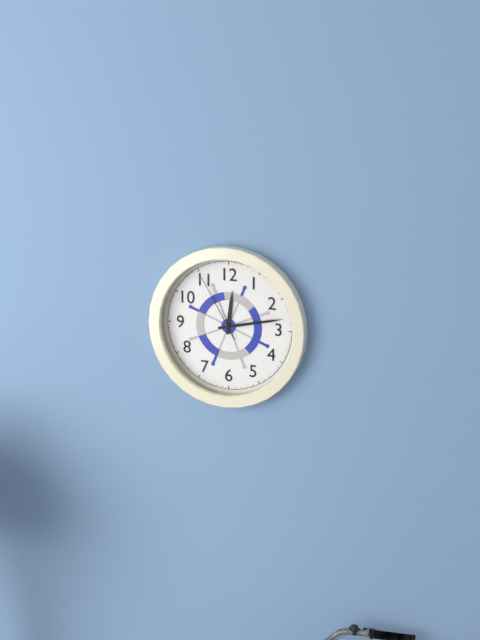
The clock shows 12.13.55
